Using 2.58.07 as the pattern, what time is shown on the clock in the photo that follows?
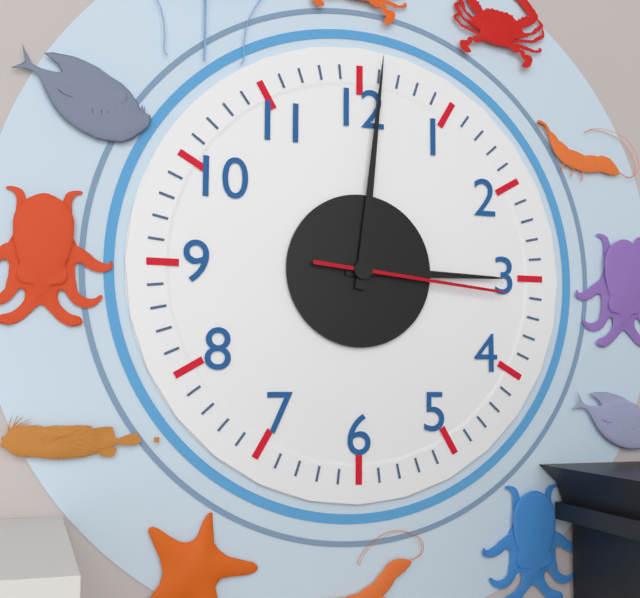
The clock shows 3.01.16
